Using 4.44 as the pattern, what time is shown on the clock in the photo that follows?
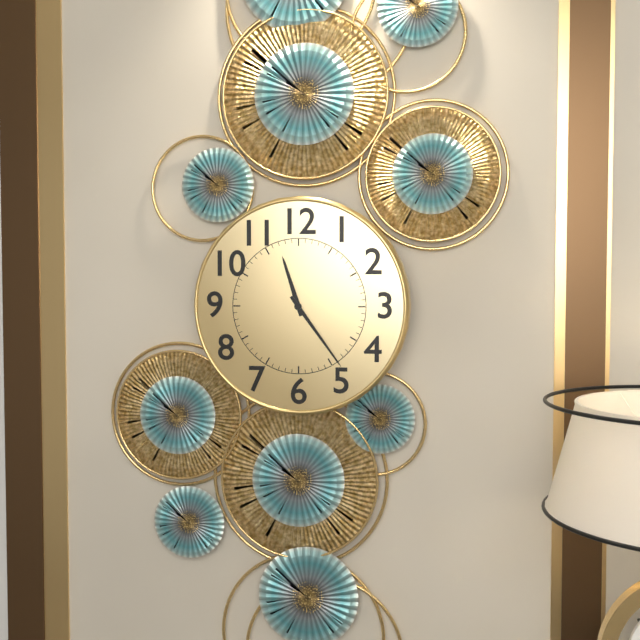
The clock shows 11.24
